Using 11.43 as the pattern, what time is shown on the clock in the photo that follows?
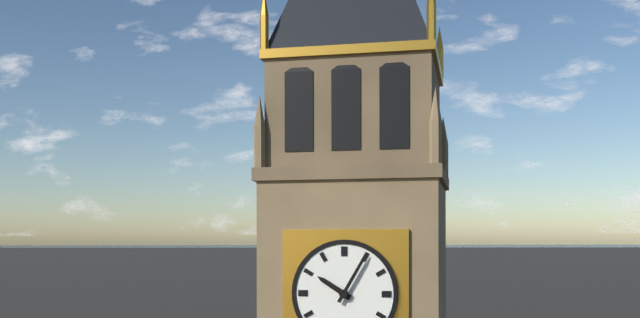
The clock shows 10.05
